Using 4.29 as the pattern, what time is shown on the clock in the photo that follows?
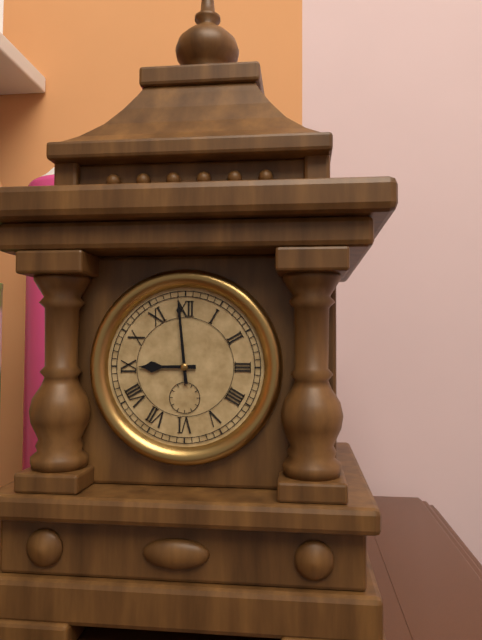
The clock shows 8.59
